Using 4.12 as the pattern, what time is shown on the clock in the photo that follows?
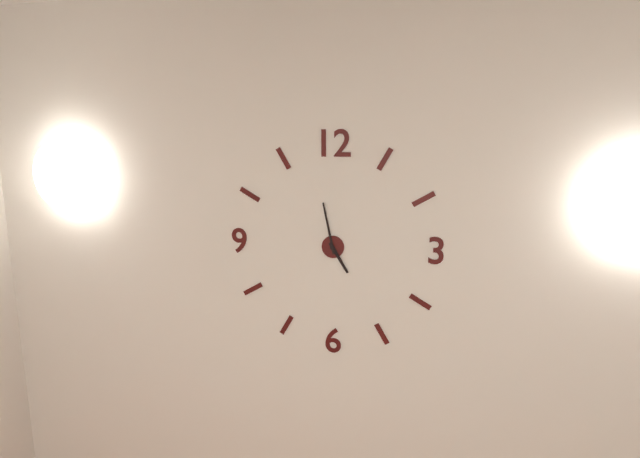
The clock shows 4.58
